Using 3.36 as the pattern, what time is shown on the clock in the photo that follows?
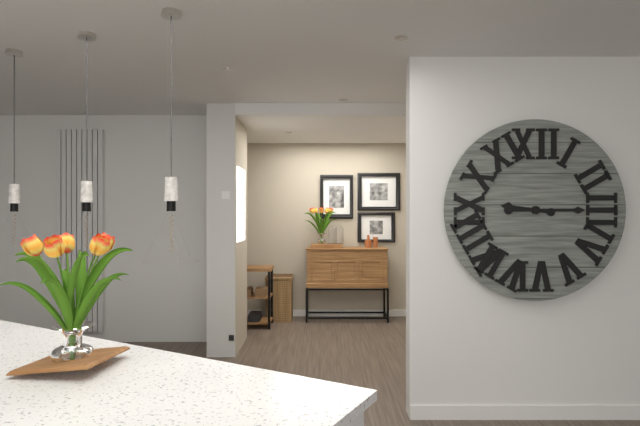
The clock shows 9.15
